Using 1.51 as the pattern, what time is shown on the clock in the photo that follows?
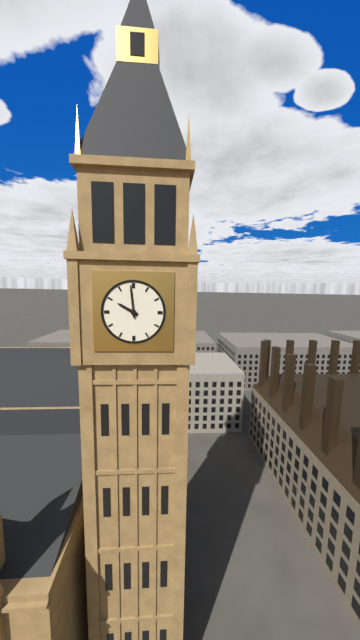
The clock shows 9.59
